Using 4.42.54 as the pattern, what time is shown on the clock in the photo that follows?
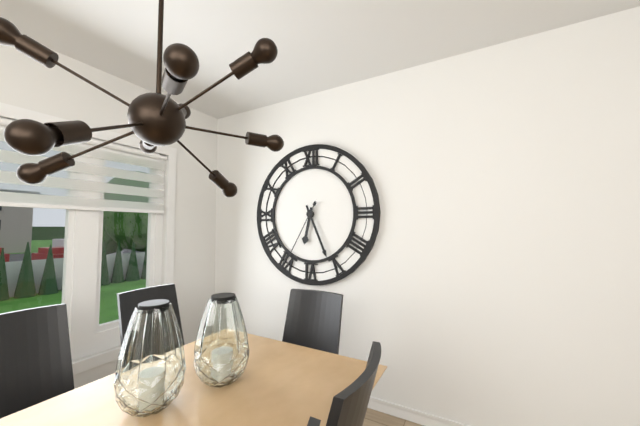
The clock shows 6.26.35
